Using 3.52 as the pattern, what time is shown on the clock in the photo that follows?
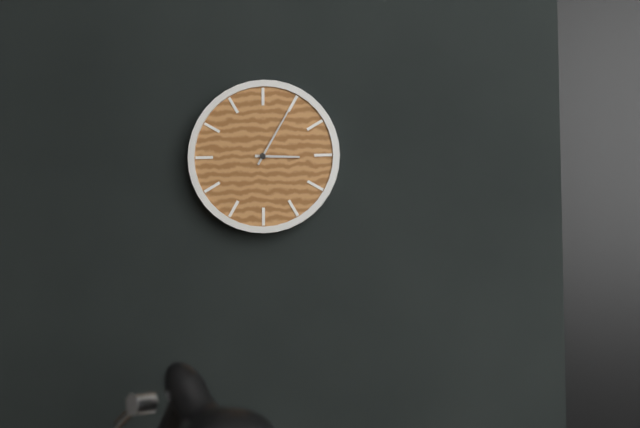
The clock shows 3.05
